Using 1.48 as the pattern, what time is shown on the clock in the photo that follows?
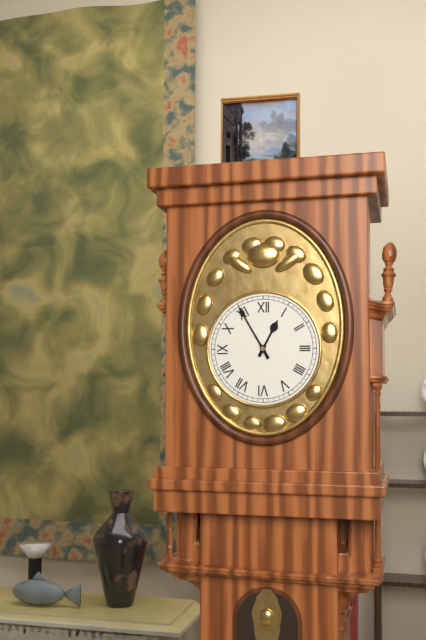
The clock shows 12.55
